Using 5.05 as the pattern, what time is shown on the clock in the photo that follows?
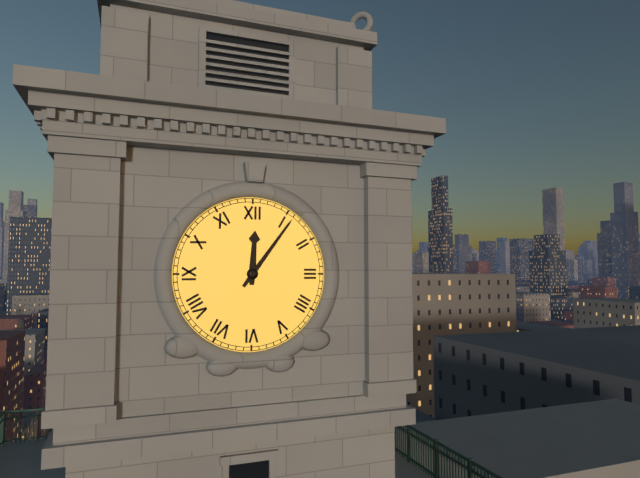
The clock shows 12.06
